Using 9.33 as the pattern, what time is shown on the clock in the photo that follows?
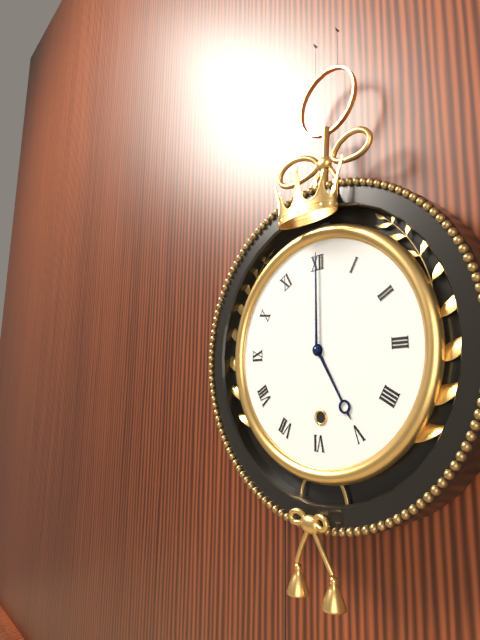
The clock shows 5.00
